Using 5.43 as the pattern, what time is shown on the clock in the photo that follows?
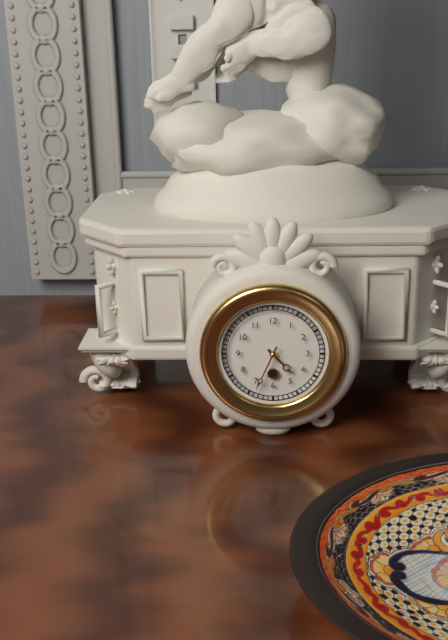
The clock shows 4.34
